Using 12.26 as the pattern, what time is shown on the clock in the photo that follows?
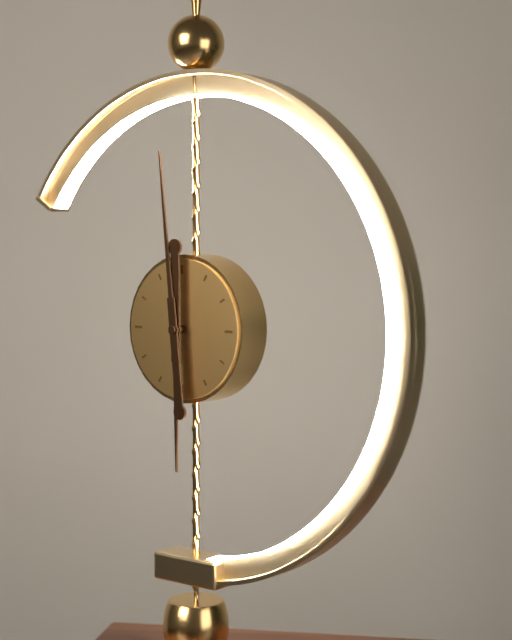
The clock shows 5.59
